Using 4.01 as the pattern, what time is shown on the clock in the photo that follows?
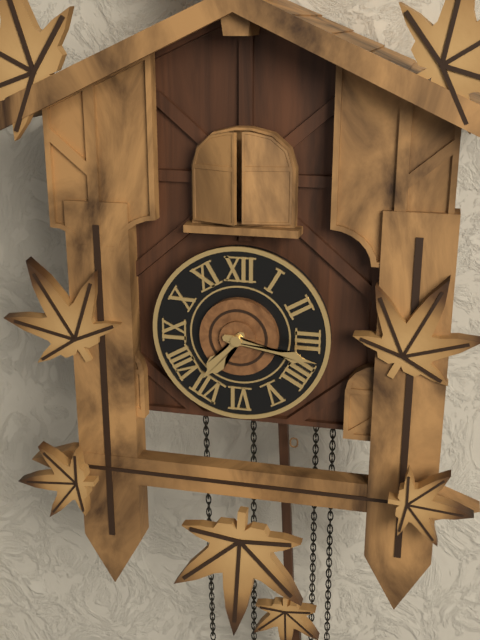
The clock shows 7.17
